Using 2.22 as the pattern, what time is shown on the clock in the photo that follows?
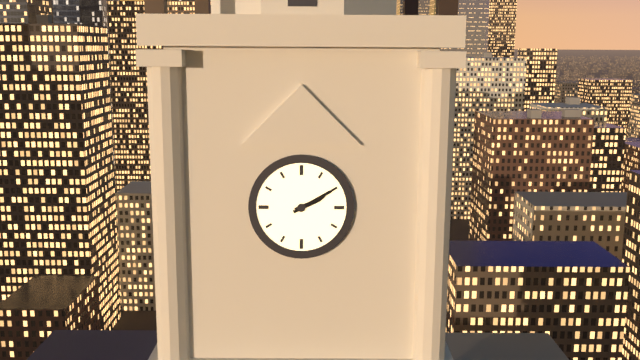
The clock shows 2.10
